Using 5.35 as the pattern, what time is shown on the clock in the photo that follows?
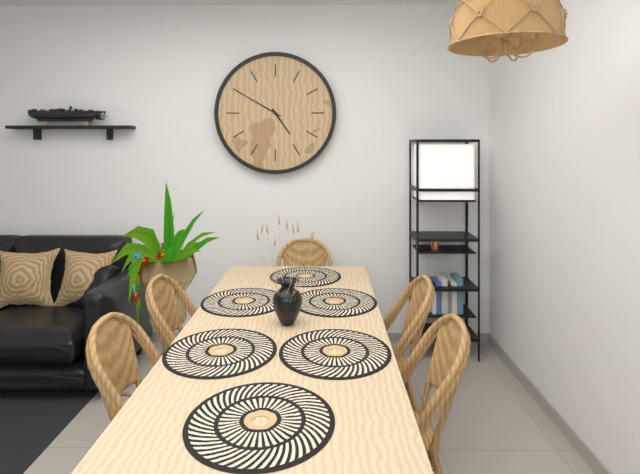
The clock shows 4.50
